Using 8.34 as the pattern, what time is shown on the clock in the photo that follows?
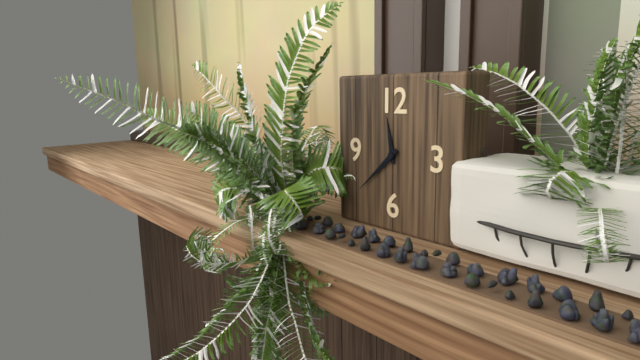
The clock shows 11.38
